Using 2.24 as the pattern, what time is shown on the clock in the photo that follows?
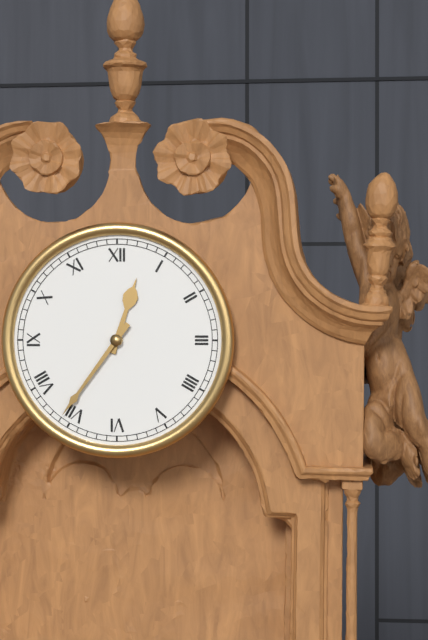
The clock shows 12.36
